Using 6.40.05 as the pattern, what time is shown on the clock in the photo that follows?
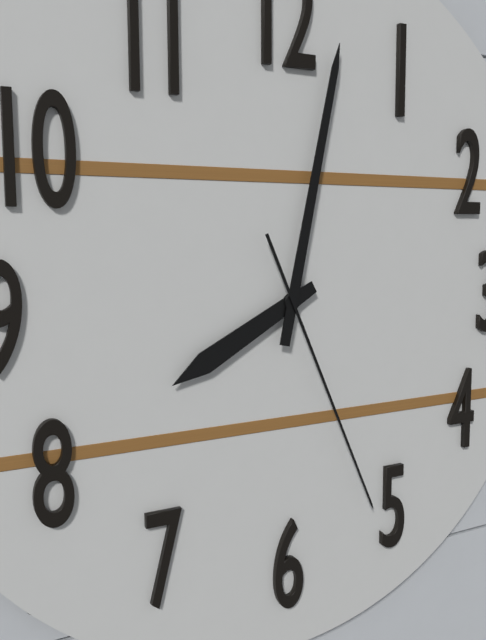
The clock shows 8.02.26
